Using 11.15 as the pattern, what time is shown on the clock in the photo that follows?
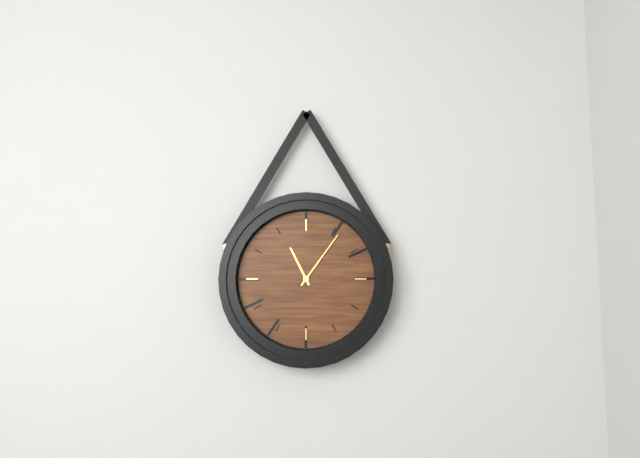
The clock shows 11.06
